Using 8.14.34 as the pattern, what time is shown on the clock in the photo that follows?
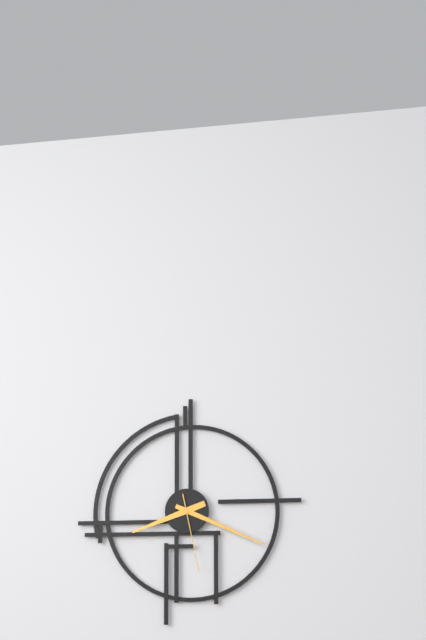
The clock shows 8.19.28
